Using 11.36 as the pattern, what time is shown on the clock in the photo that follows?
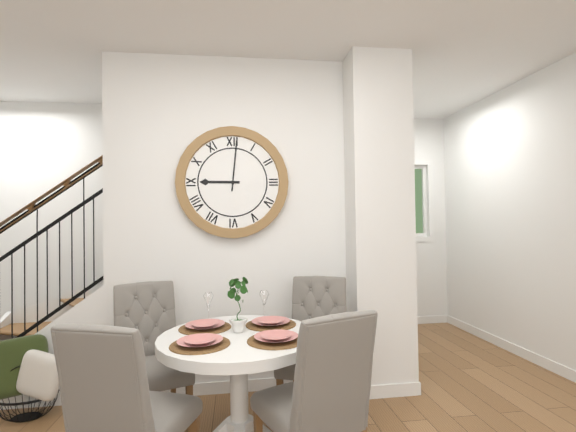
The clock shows 9.01
